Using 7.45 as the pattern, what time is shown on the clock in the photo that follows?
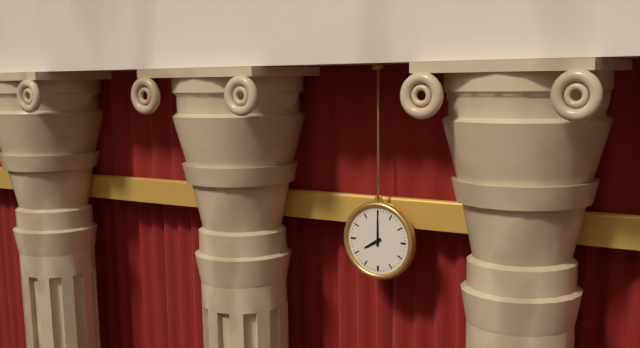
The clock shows 8.00
